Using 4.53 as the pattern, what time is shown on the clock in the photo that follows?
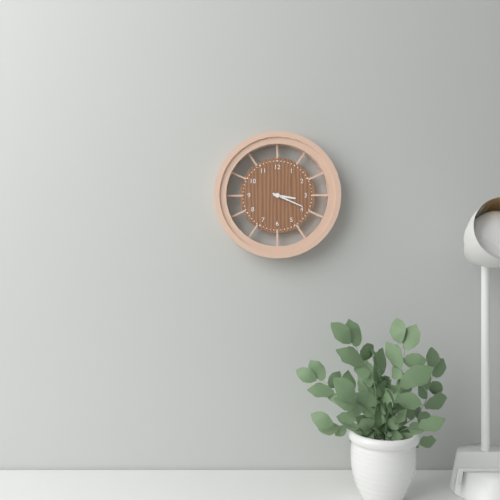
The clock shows 3.19
